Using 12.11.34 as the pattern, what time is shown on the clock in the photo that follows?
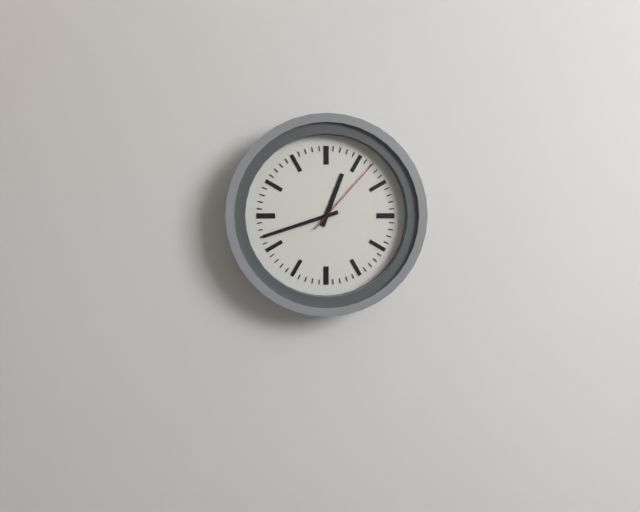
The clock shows 12.42.07
